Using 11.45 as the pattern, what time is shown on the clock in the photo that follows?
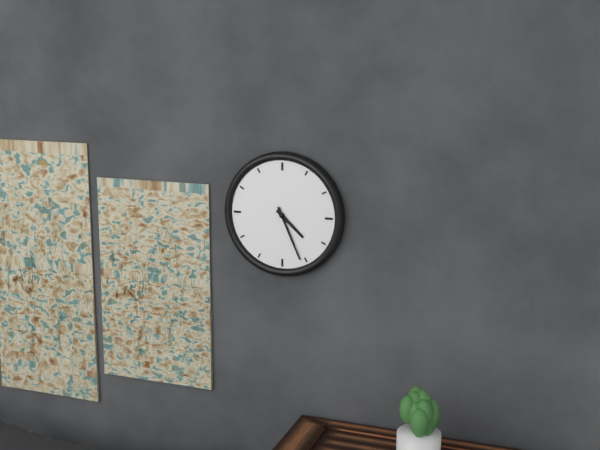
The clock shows 4.26
